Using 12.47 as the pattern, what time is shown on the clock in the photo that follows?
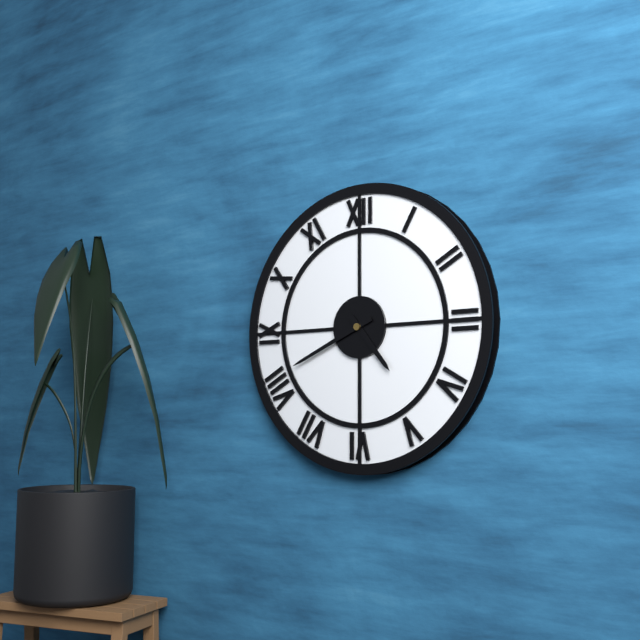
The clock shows 4.41
